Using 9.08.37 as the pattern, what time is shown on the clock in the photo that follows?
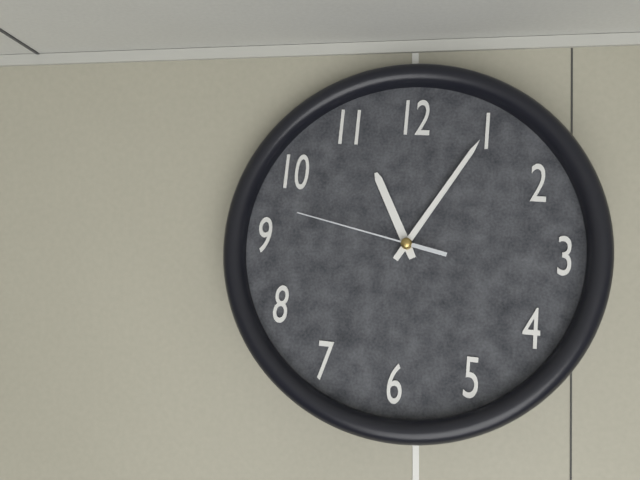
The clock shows 11.05.47
